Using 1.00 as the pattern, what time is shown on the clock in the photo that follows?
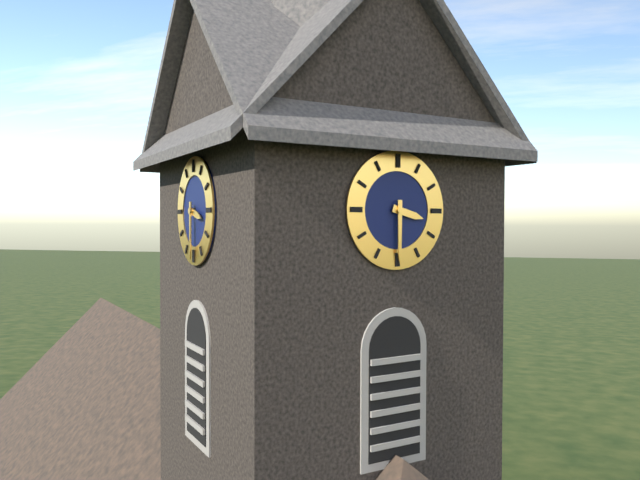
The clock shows 3.30
